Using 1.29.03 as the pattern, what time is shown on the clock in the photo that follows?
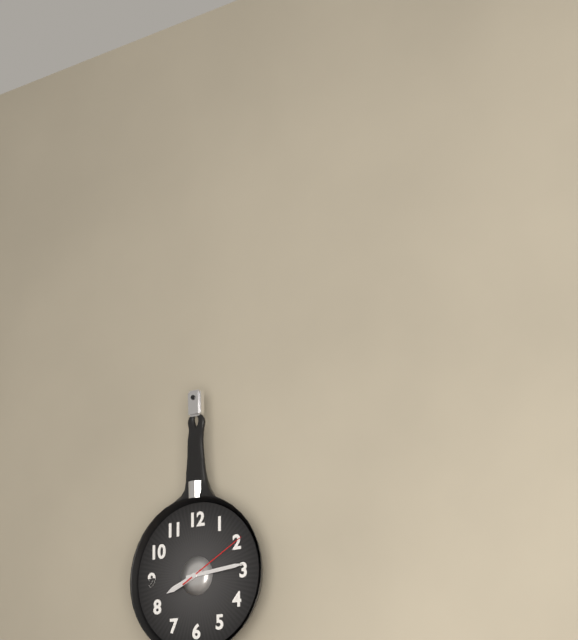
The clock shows 8.14.10
